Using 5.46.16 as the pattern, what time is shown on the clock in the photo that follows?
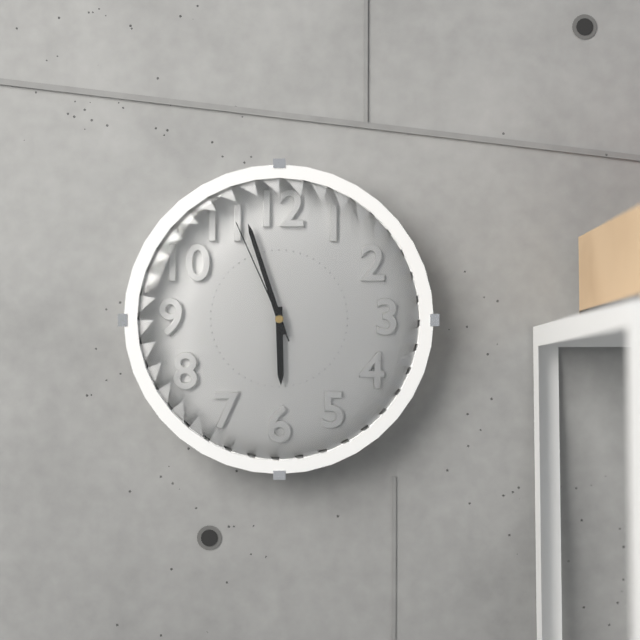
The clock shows 5.57.56
